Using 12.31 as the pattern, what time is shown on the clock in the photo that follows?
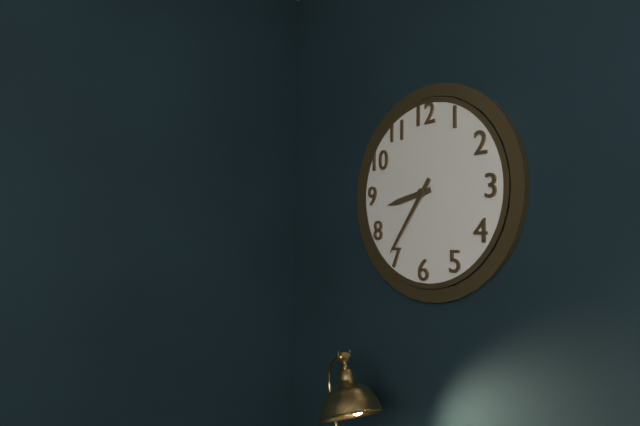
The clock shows 8.36
